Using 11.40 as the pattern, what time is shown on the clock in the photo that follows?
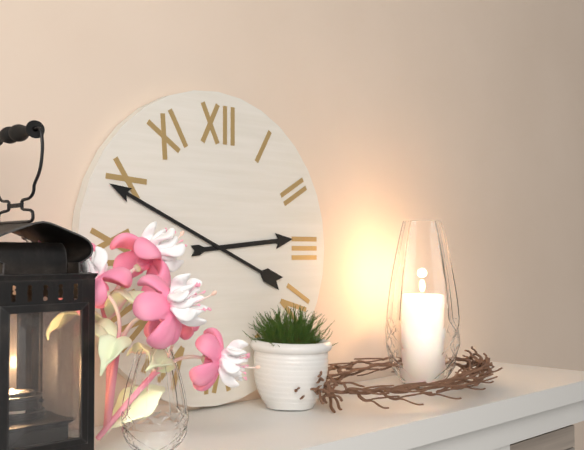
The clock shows 2.49
